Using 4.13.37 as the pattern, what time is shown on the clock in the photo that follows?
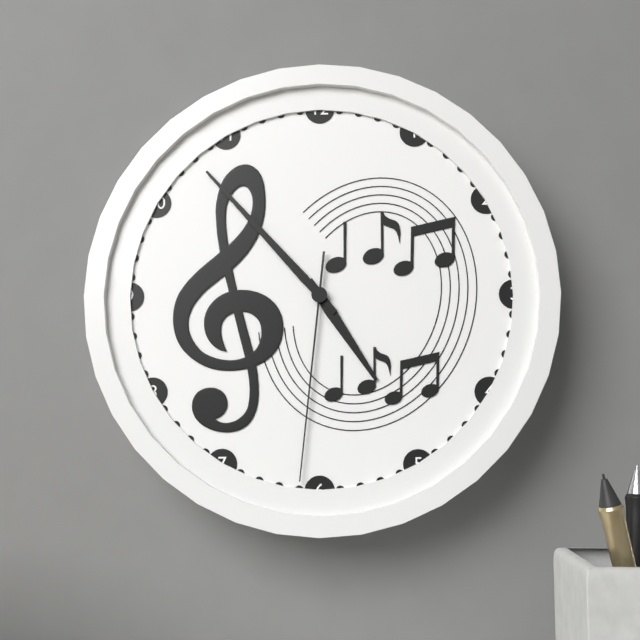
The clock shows 4.53.31
